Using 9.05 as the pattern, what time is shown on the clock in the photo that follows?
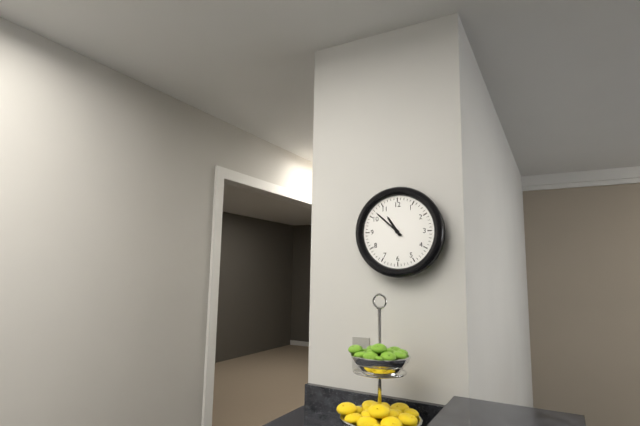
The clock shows 10.52
